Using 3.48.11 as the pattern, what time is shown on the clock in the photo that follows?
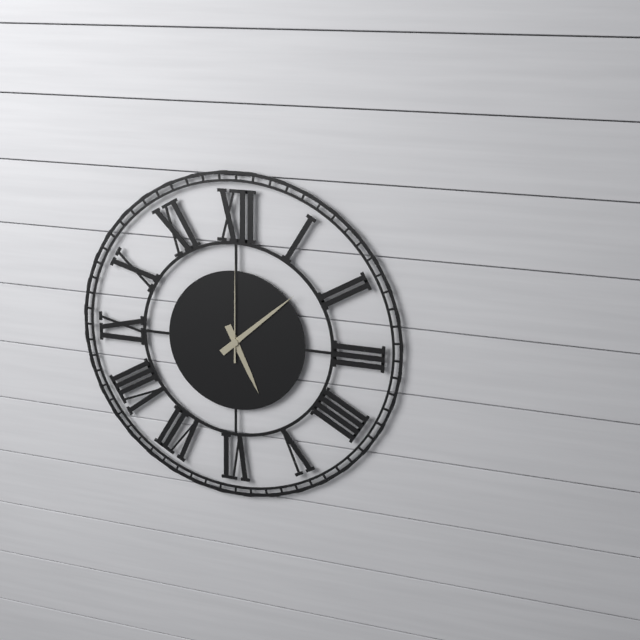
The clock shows 5.08.00
